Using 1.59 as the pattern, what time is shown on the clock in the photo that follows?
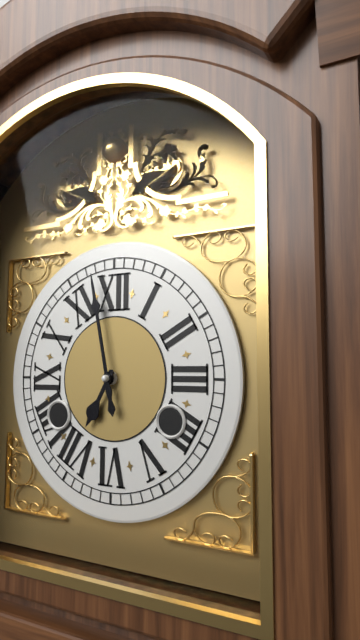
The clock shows 6.58
